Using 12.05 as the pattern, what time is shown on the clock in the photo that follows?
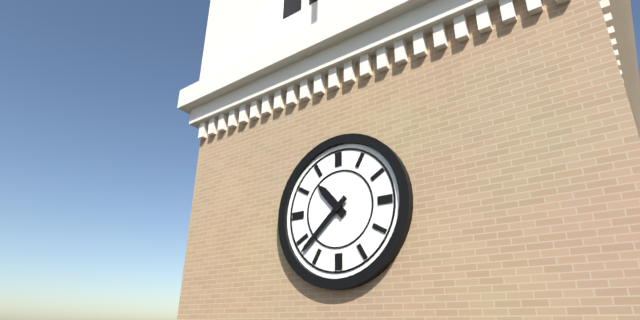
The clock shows 10.38
